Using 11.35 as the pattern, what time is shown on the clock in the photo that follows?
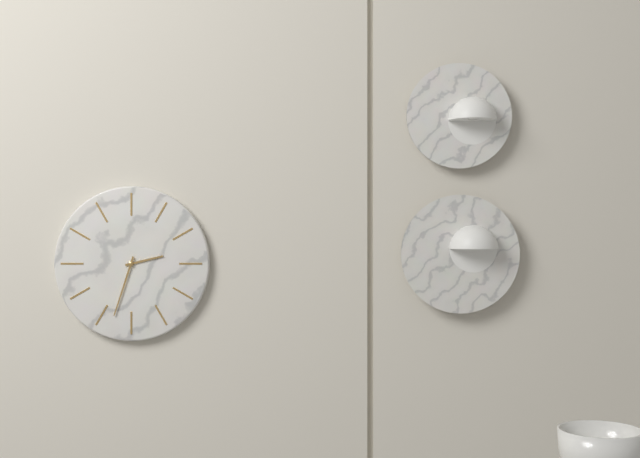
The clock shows 2.33
